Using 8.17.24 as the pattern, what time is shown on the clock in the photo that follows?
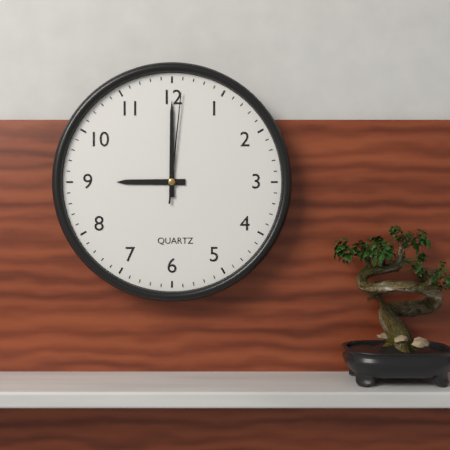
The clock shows 9.00.01
